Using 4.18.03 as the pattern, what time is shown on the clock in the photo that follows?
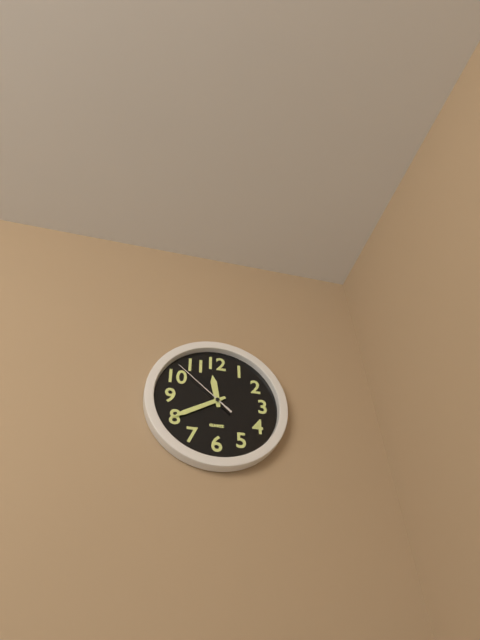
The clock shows 11.40.52
